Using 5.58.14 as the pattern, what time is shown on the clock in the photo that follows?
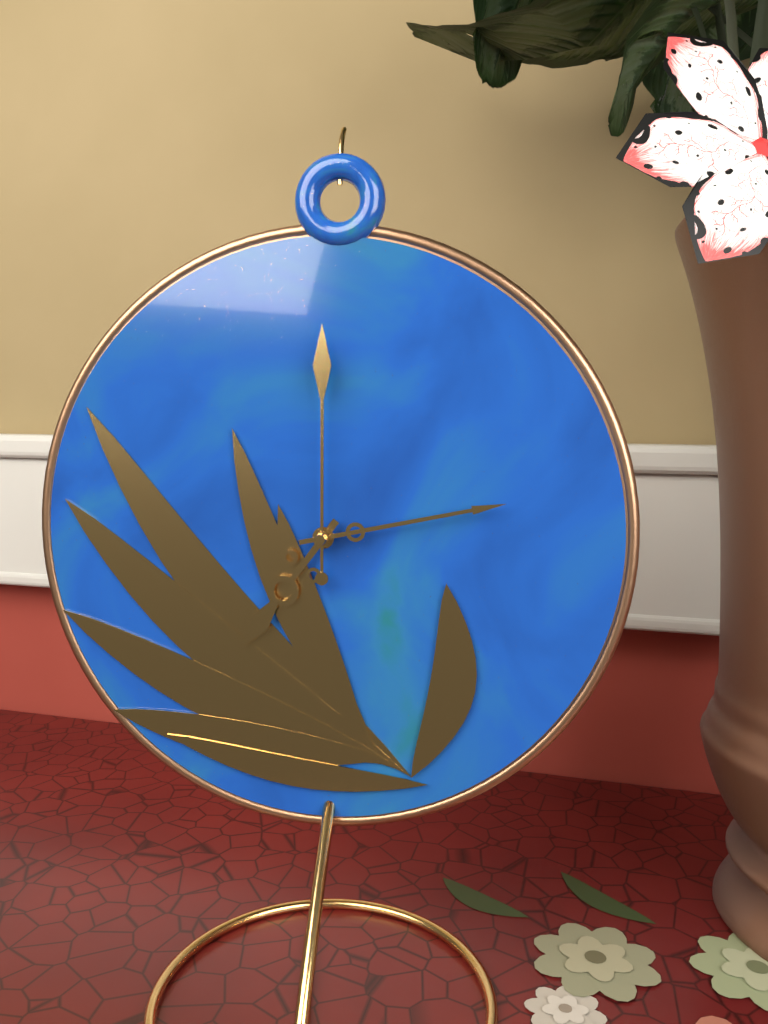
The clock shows 7.13.00
